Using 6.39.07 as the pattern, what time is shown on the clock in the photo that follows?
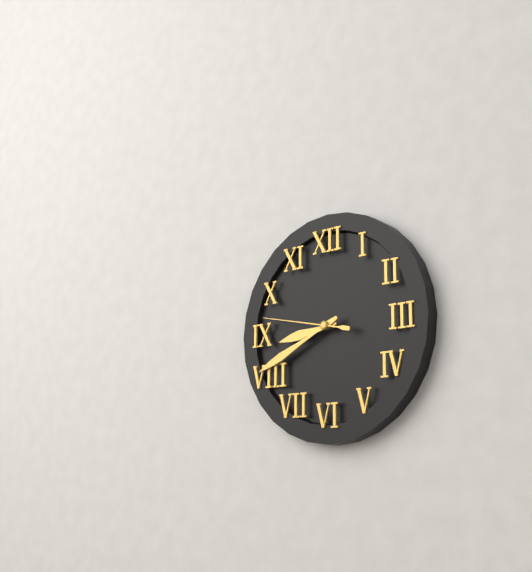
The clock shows 8.41.47
